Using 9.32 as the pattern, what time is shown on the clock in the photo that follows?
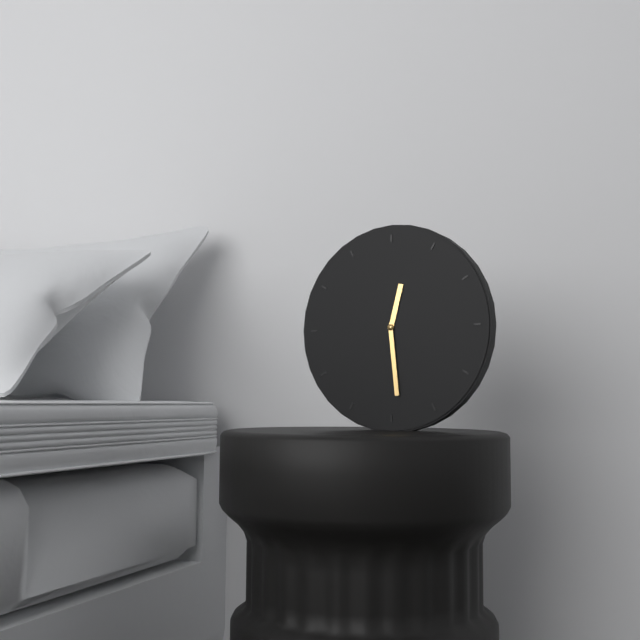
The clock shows 12.29
